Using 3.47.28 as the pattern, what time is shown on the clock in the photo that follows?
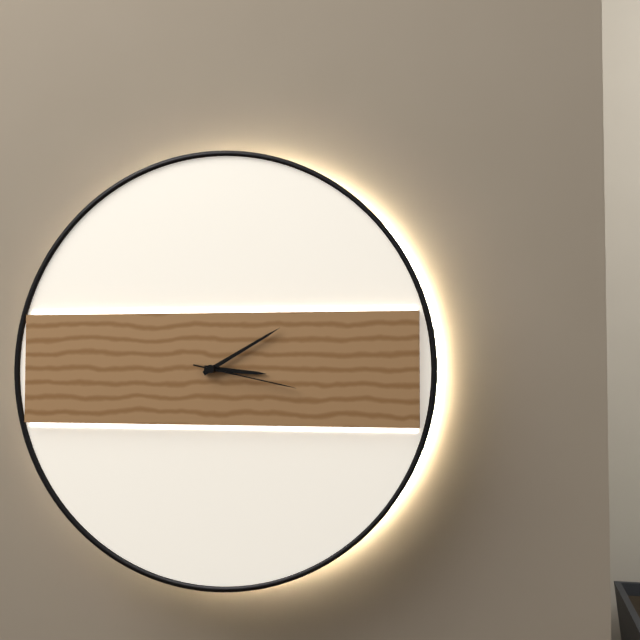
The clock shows 3.10.17
